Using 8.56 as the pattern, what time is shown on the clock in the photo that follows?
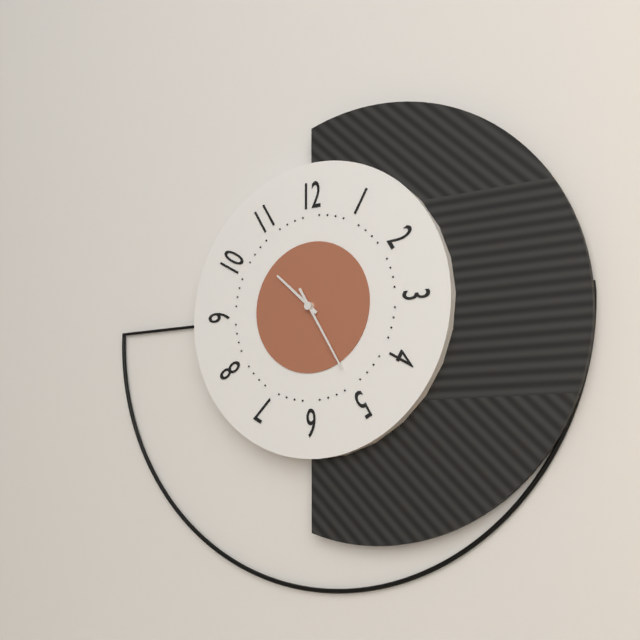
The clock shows 10.25
